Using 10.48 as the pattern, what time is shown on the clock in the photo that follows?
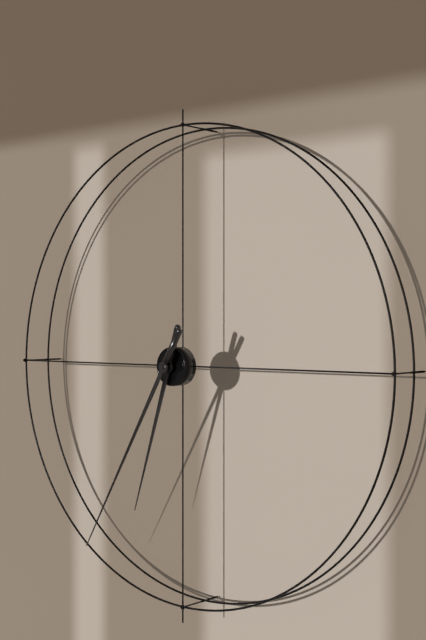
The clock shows 6.35
